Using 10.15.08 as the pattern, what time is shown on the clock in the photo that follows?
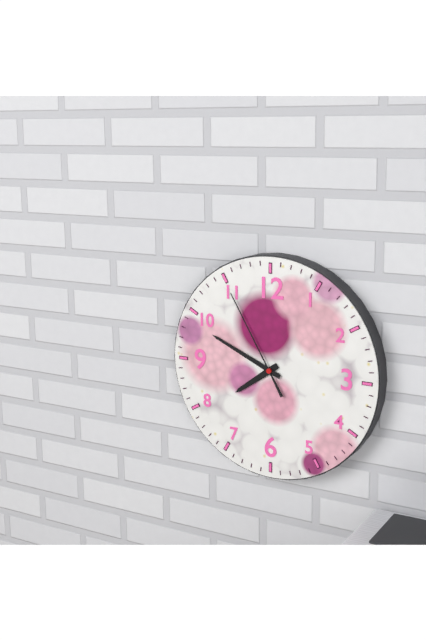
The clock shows 7.49.55
